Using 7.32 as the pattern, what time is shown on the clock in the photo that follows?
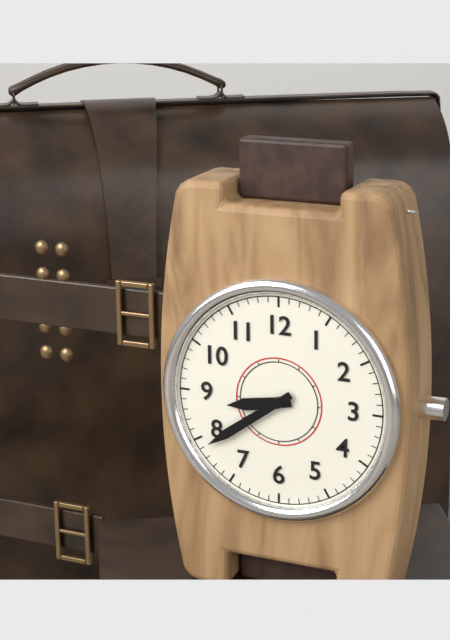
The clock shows 8.39
